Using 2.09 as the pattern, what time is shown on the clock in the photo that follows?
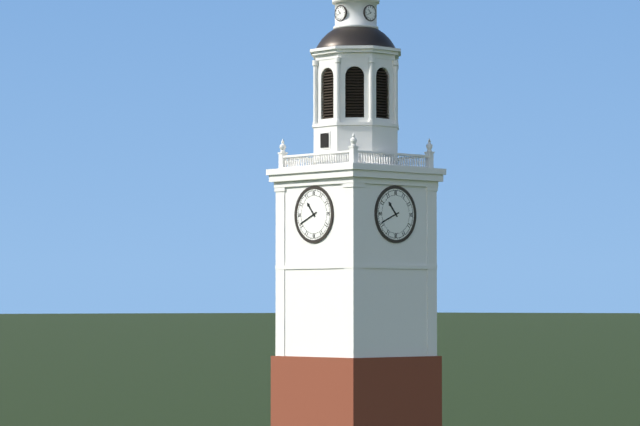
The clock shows 10.41
